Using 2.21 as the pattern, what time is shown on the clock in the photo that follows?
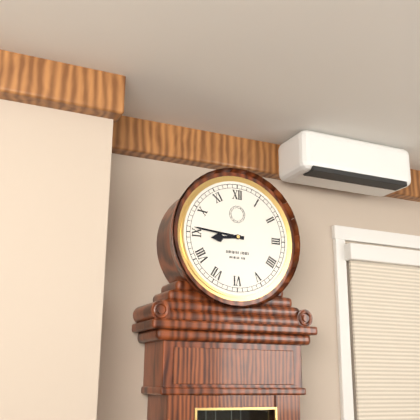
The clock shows 8.46
